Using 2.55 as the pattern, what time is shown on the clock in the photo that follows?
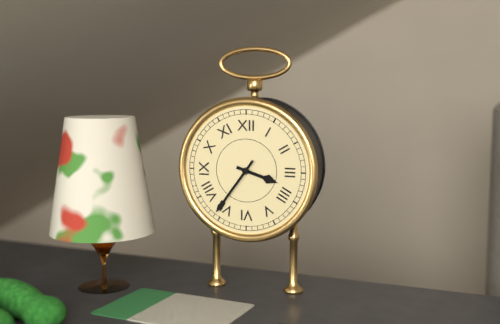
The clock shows 3.36
